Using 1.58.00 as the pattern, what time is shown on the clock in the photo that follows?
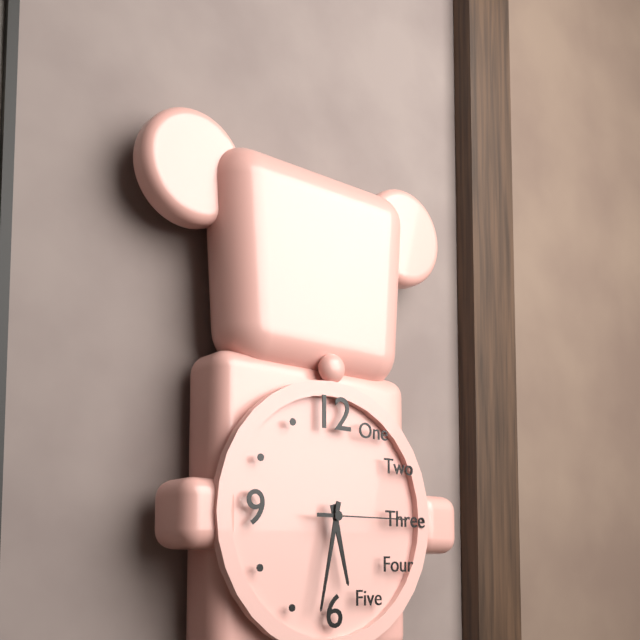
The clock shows 5.32.15
